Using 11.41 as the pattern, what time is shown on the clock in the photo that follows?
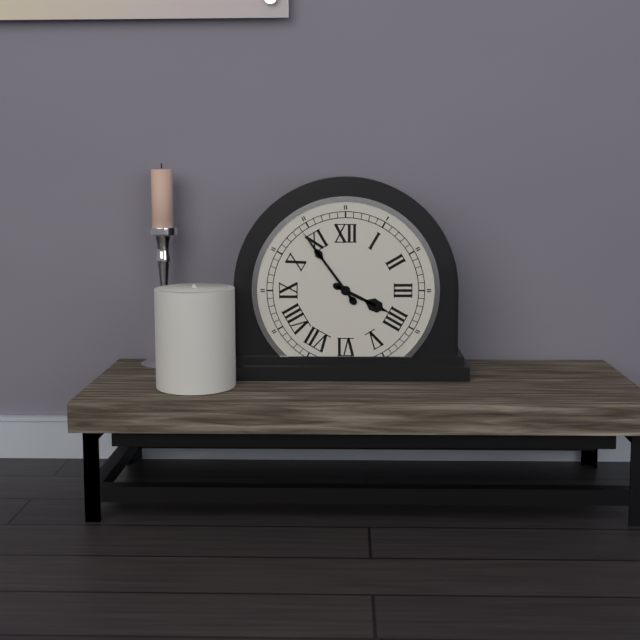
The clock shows 3.54
